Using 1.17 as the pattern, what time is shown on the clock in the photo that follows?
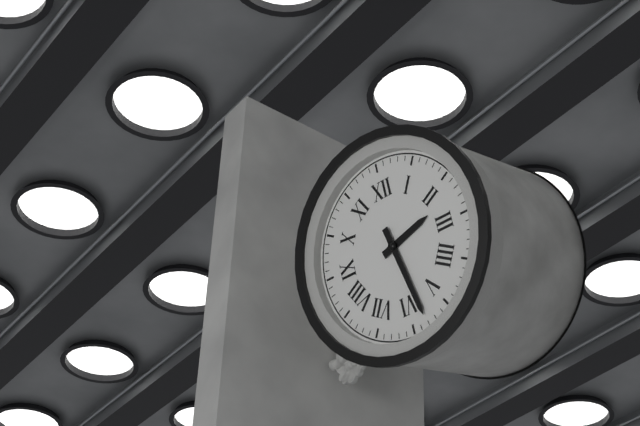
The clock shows 2.28
